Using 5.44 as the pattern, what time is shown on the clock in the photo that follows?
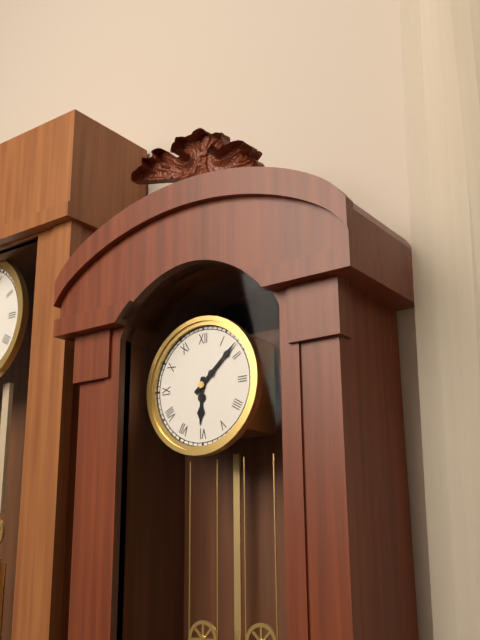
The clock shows 6.08
